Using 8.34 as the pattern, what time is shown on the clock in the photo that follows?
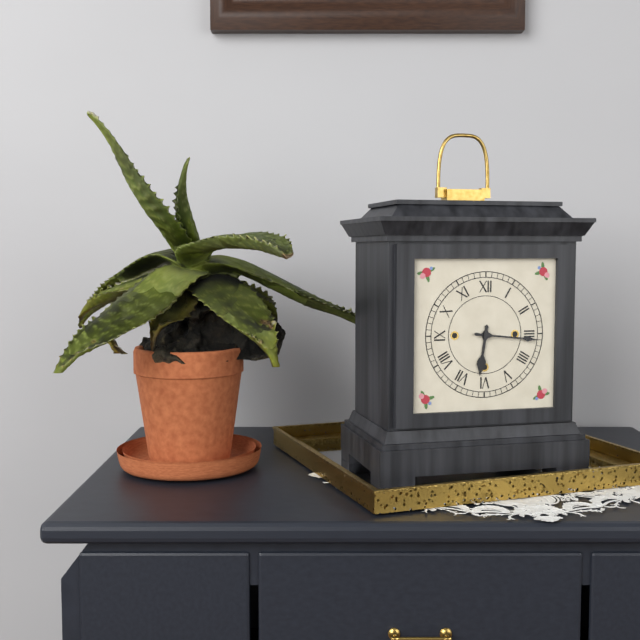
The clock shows 6.16
